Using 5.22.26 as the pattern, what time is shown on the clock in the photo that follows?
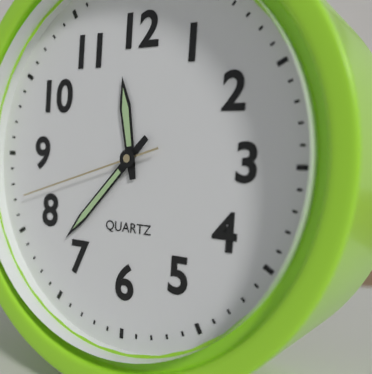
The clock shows 11.37.42
